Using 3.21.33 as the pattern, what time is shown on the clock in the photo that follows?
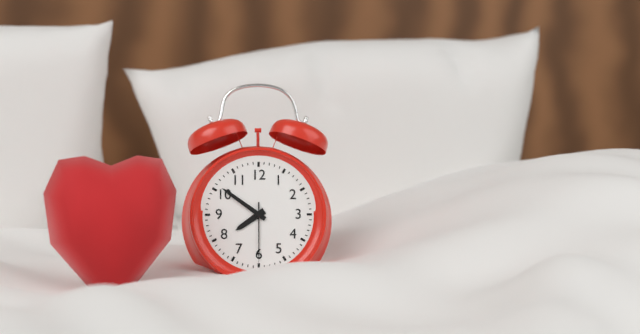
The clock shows 7.51.30
